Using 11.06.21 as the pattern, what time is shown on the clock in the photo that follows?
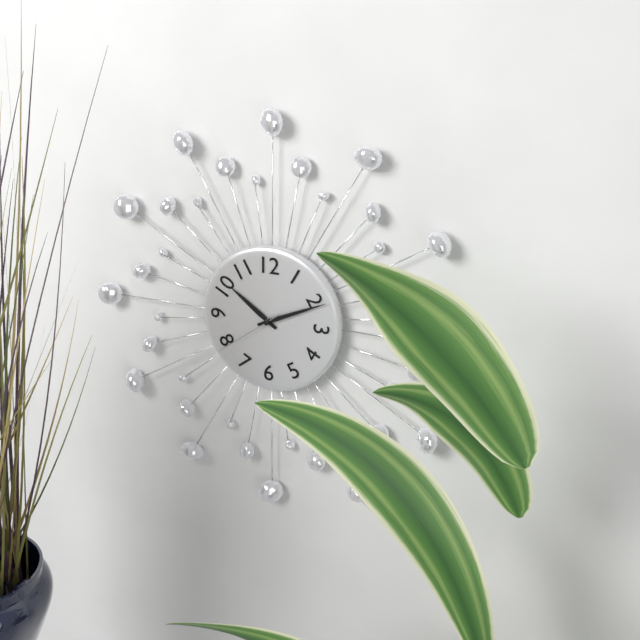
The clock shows 10.11.39
